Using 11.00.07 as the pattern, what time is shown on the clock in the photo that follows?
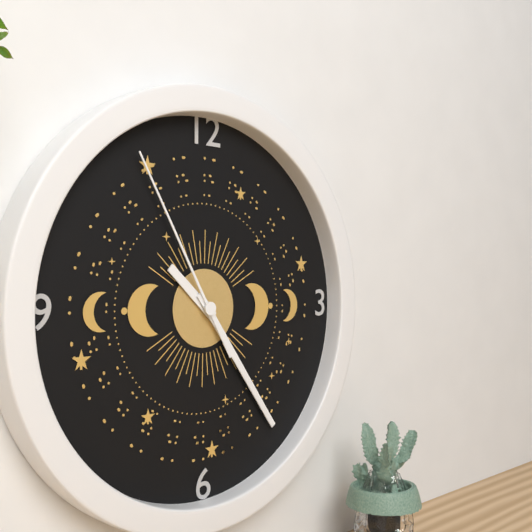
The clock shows 10.24.55
